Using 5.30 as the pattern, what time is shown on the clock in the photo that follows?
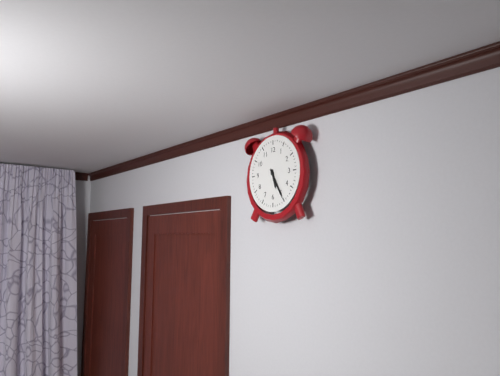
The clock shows 5.25
